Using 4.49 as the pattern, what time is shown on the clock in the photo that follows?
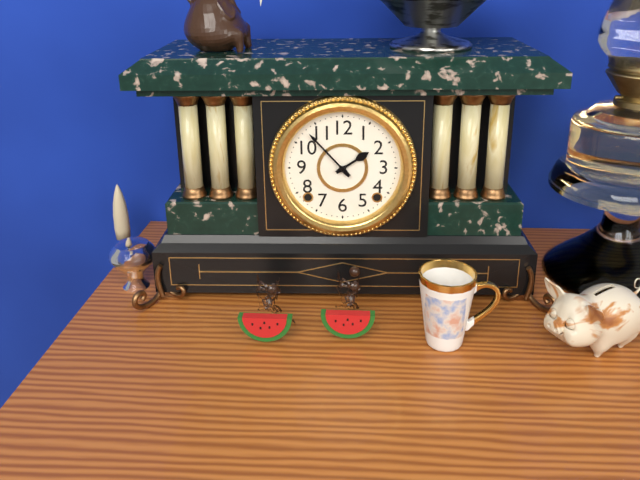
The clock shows 1.53
